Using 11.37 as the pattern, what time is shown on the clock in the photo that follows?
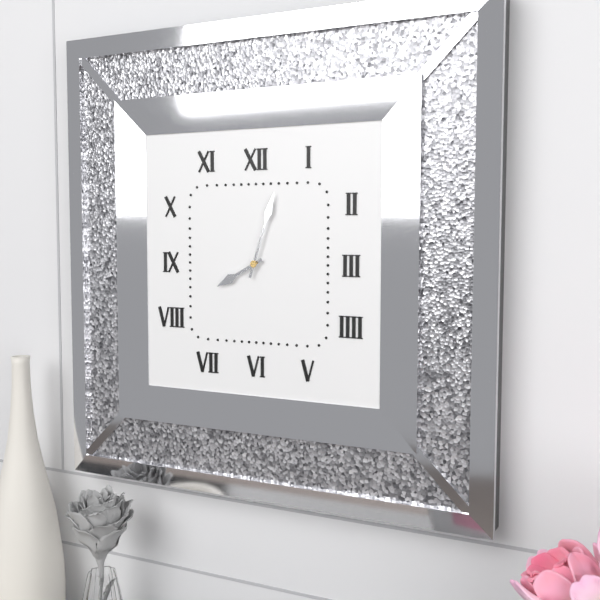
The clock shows 8.03
